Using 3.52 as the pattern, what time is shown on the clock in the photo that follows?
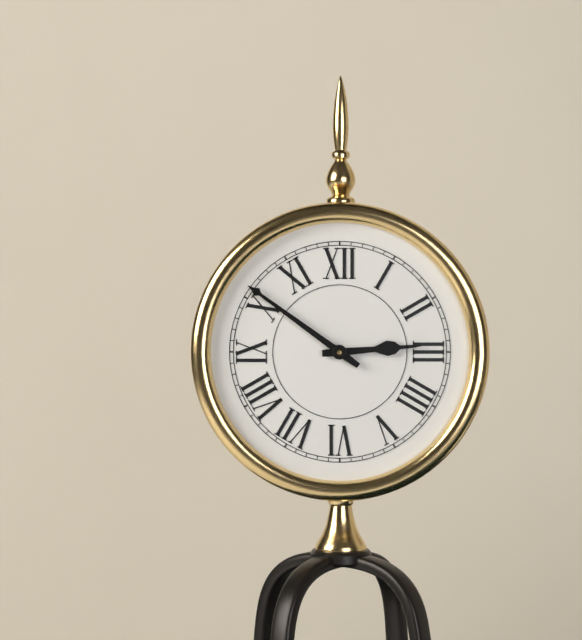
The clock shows 2.51
